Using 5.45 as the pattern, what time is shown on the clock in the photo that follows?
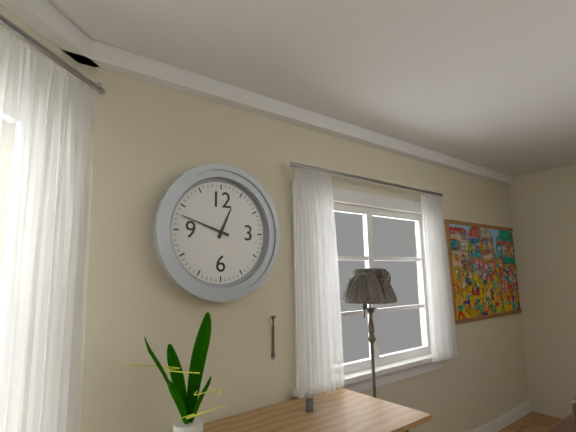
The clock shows 12.48
